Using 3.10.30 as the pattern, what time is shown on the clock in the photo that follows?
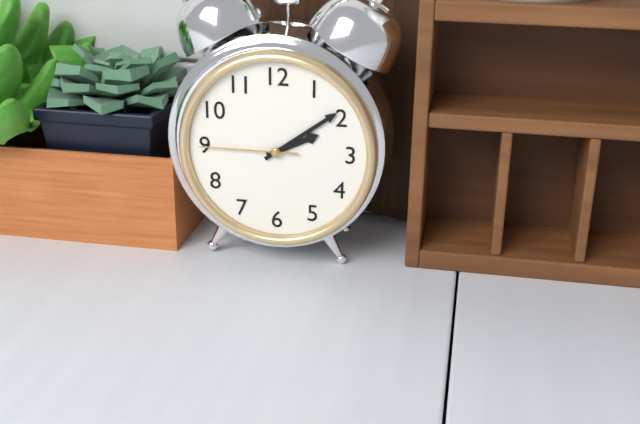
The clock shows 2.09.45
